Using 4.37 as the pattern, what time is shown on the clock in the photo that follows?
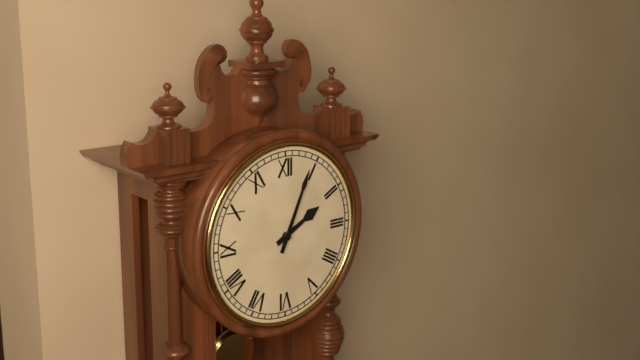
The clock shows 2.04
